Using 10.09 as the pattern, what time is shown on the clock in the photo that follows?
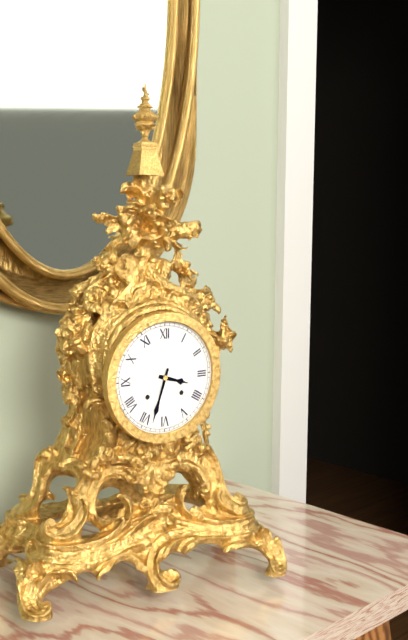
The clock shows 3.33
